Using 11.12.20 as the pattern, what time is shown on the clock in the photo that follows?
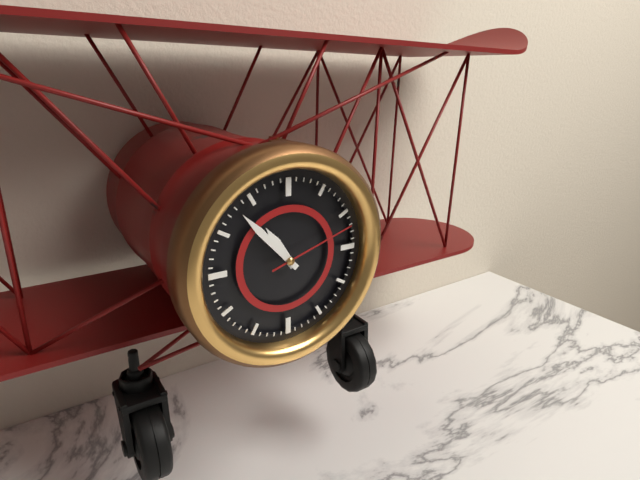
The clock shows 10.53.12
